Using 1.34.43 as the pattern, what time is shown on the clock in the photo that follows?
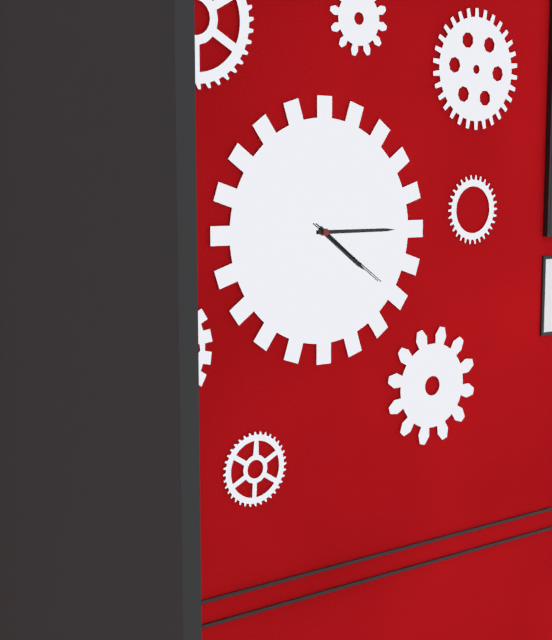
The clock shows 4.15.21
